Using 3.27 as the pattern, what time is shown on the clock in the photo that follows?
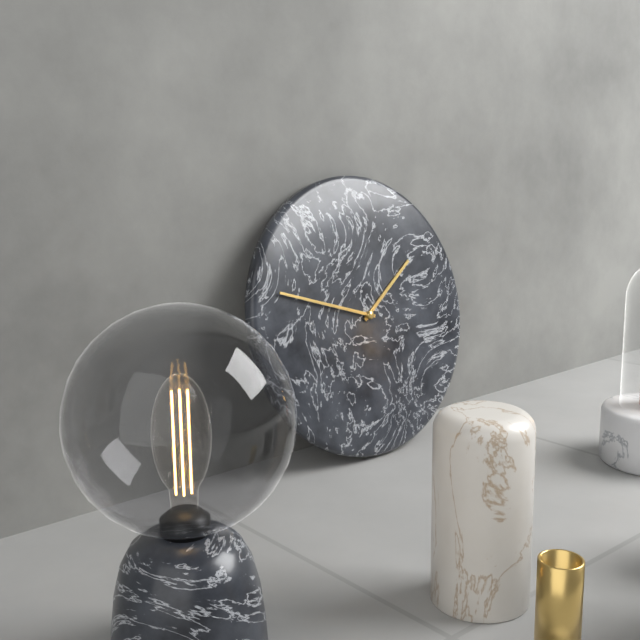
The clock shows 1.48
